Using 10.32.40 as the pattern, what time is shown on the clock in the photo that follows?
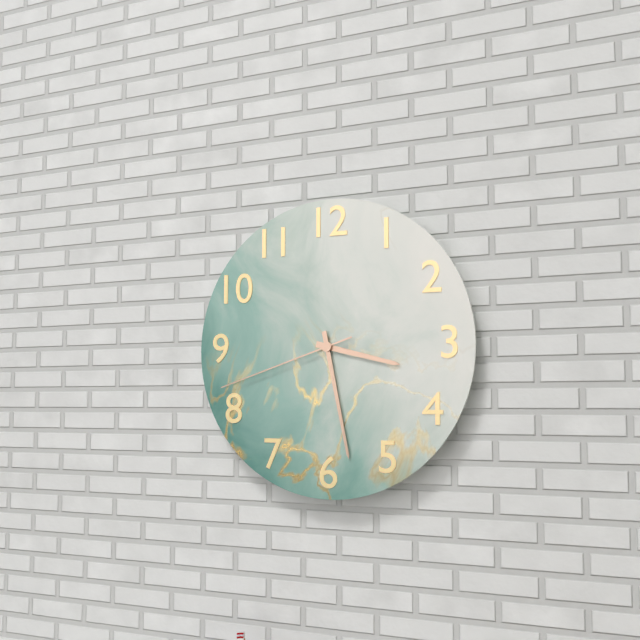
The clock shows 3.28.42
